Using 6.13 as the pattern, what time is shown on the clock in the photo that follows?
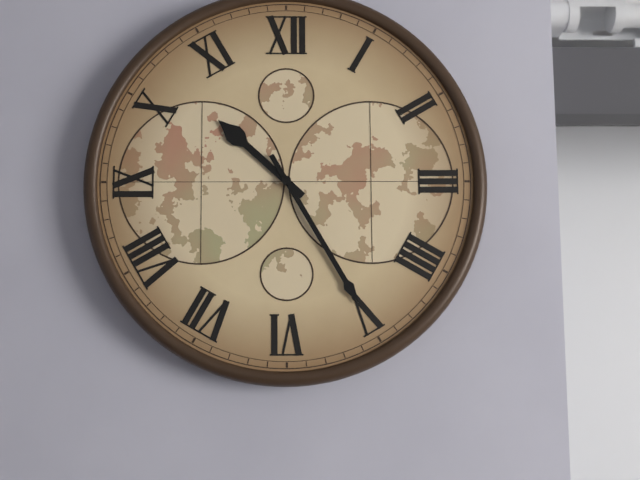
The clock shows 10.25
